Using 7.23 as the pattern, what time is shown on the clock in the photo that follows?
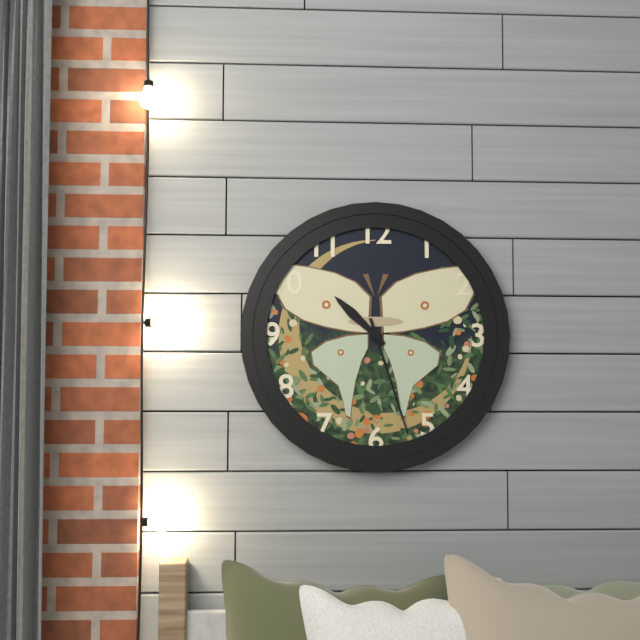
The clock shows 10.27
